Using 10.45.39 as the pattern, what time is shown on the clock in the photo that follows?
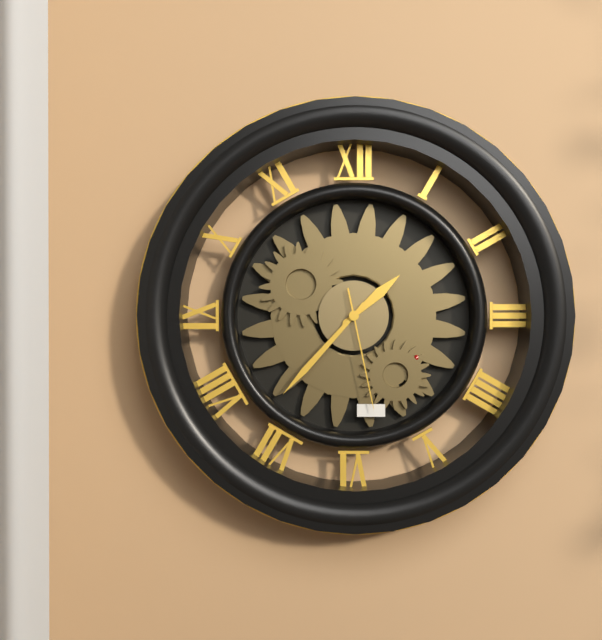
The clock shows 1.37.28
